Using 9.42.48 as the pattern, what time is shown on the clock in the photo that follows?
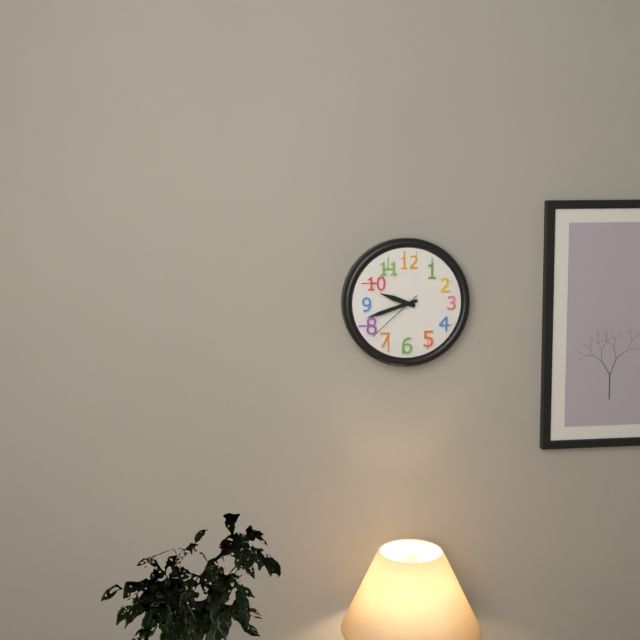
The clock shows 9.42.38
